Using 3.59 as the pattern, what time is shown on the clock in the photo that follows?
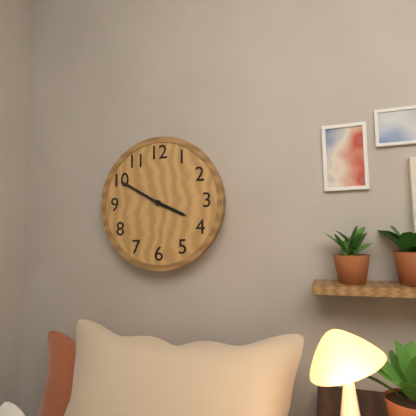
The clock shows 3.50
